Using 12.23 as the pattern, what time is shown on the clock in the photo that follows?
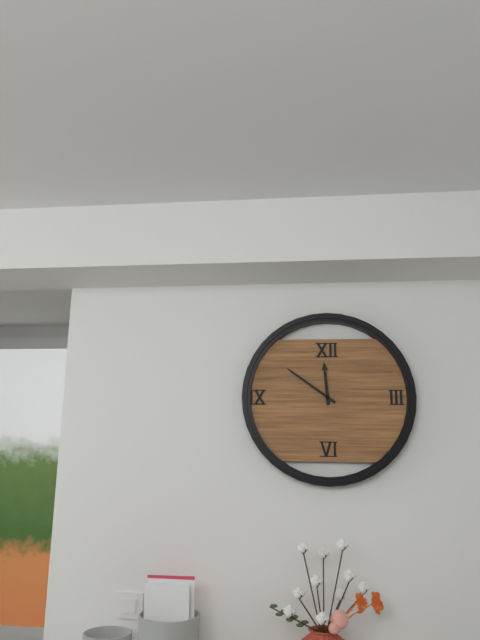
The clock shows 11.51
